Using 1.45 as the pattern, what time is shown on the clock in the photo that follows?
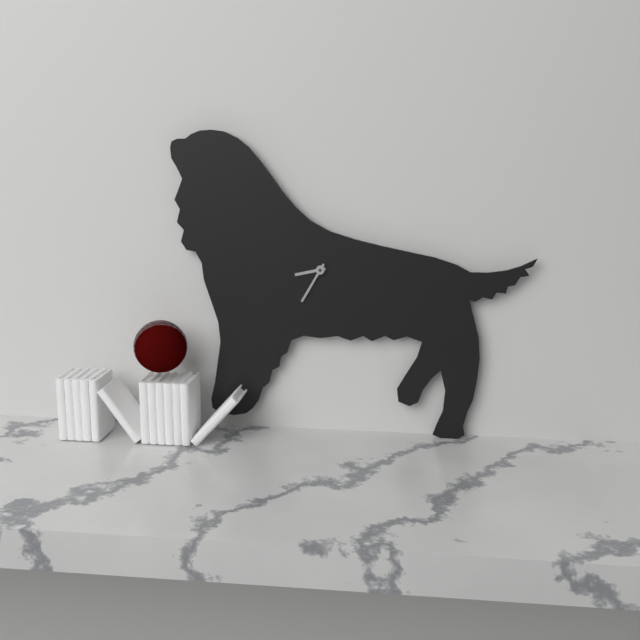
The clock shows 8.35
